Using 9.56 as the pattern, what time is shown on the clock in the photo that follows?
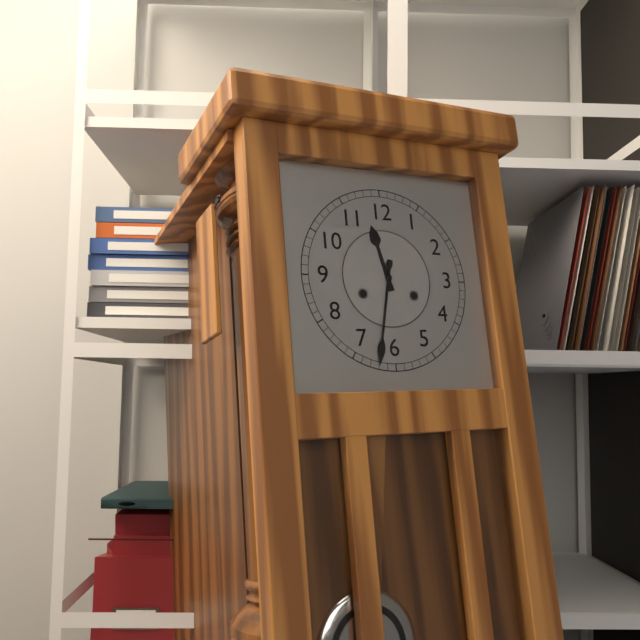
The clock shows 11.32
